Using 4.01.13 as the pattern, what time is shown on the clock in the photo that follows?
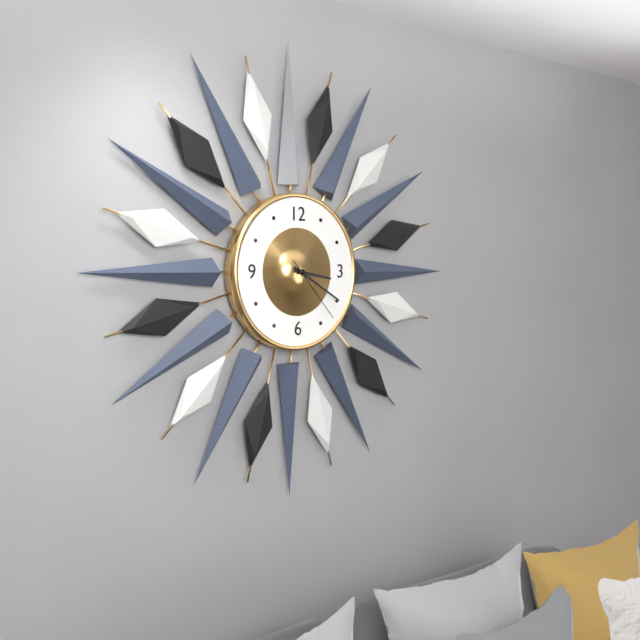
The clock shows 3.20.23
